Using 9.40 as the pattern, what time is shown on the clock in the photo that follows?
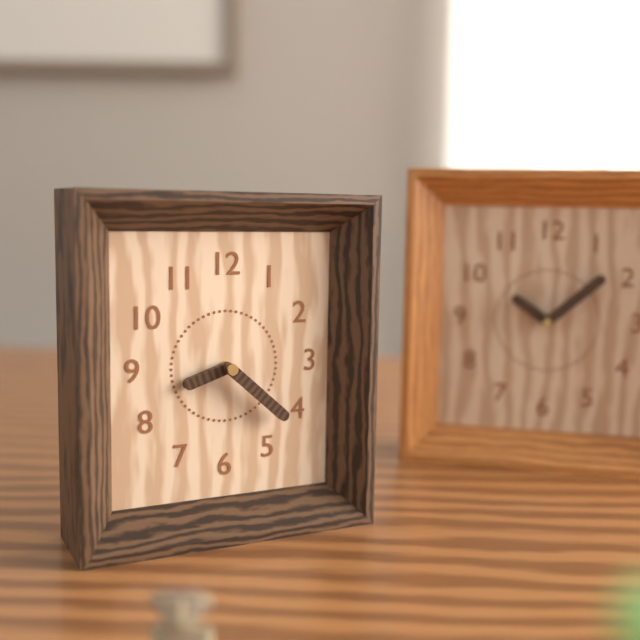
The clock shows 8.22
